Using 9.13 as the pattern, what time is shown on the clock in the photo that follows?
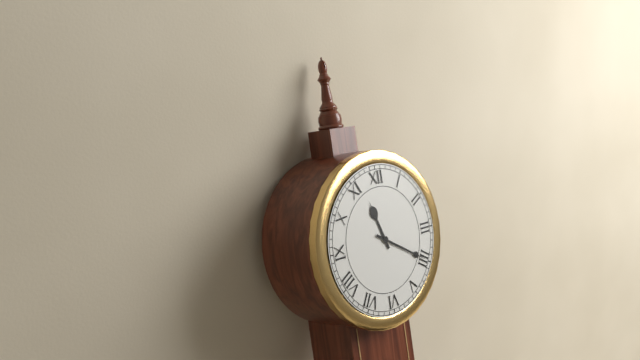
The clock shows 11.20
